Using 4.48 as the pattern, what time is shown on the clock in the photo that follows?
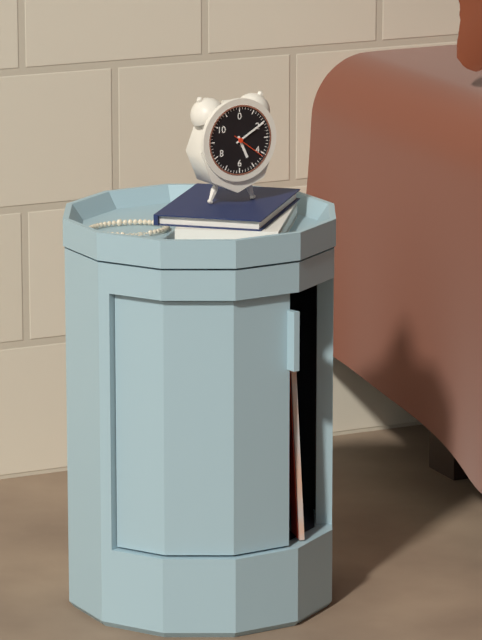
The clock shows 5.10
